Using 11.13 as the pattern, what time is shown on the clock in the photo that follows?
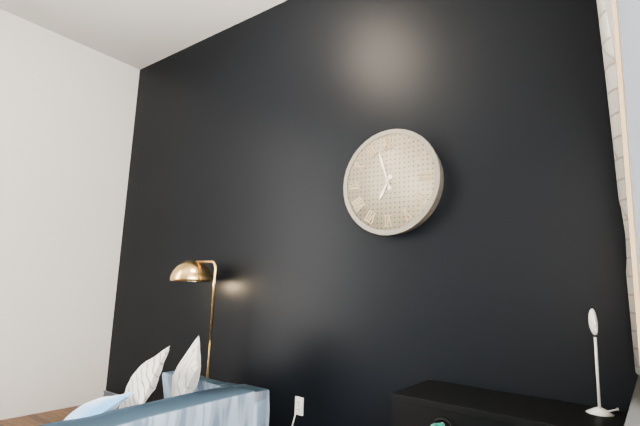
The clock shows 6.57
